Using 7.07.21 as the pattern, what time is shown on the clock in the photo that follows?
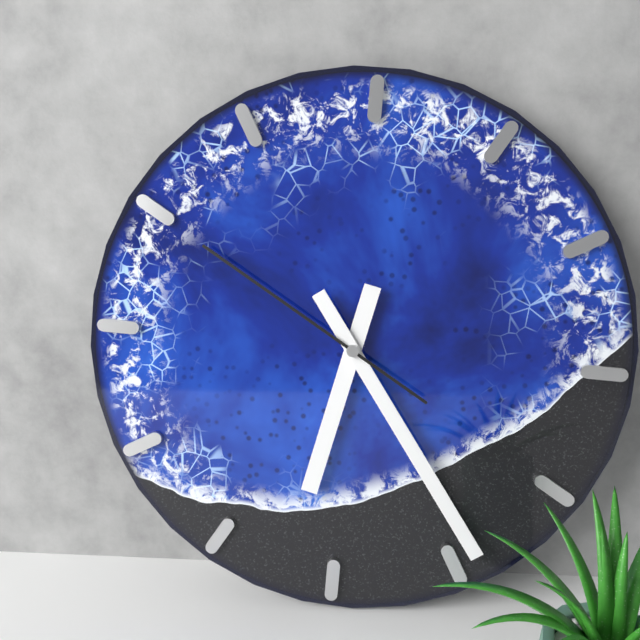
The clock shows 6.24.50
